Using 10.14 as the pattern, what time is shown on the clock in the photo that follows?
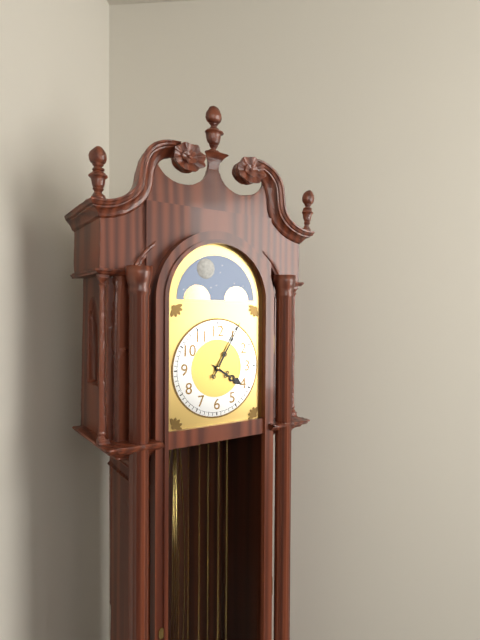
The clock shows 4.05
